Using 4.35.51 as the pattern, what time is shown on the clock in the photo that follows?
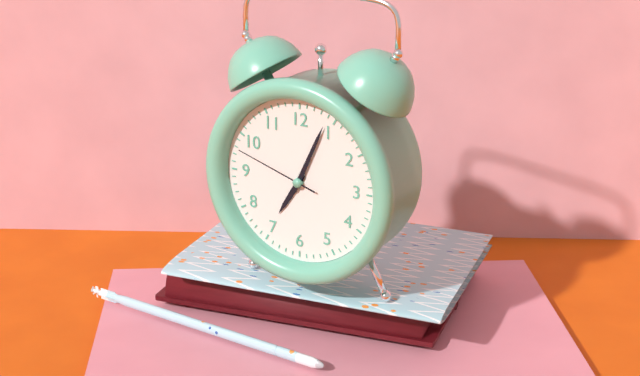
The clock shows 7.04.48
